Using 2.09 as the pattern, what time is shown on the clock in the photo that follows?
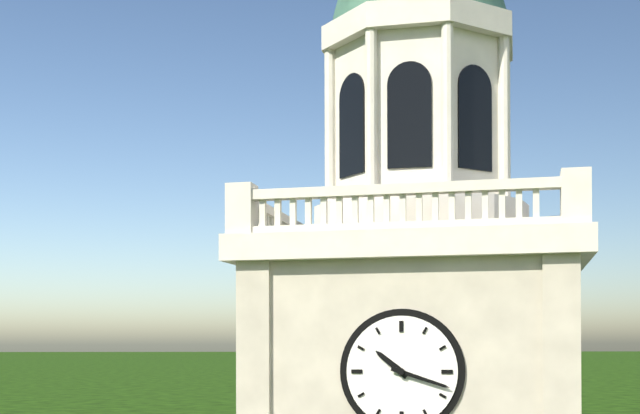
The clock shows 10.18
